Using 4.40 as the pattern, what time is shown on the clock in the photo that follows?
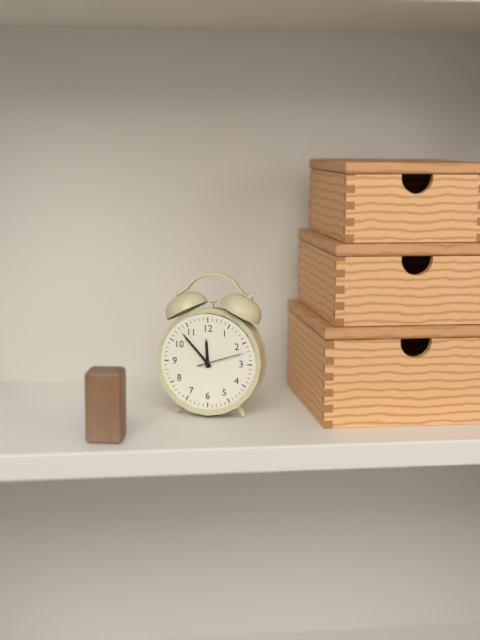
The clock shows 11.53
